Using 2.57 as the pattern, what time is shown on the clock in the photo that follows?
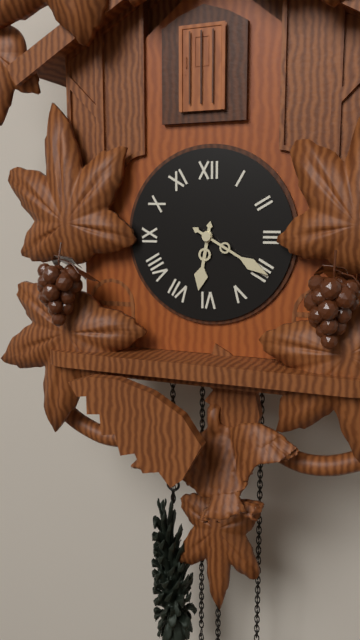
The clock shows 6.20
